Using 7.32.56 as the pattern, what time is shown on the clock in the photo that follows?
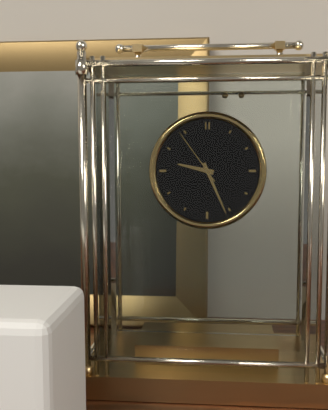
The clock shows 9.26.54
